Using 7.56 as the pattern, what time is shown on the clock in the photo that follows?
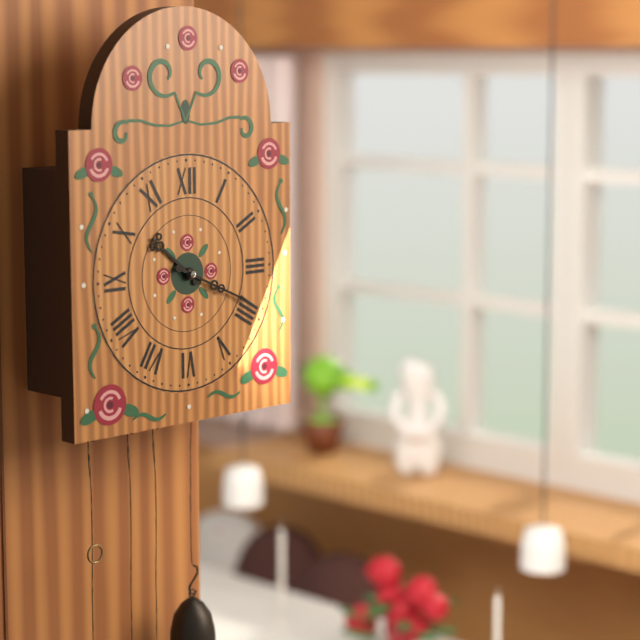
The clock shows 10.19
